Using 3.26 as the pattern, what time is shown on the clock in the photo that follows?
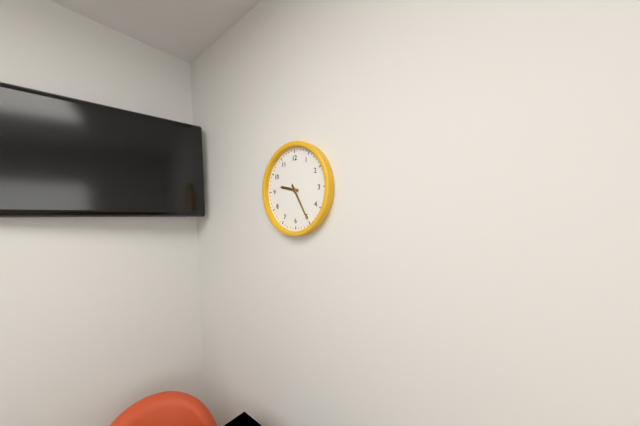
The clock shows 9.25
